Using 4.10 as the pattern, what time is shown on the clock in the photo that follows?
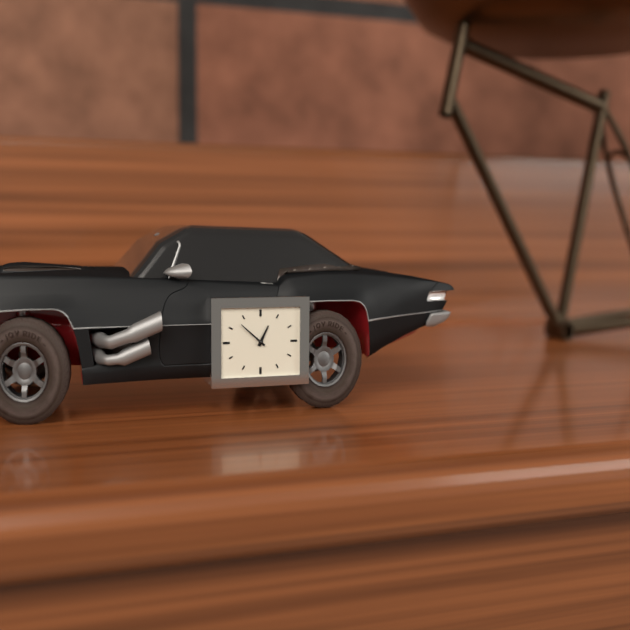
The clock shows 12.52
